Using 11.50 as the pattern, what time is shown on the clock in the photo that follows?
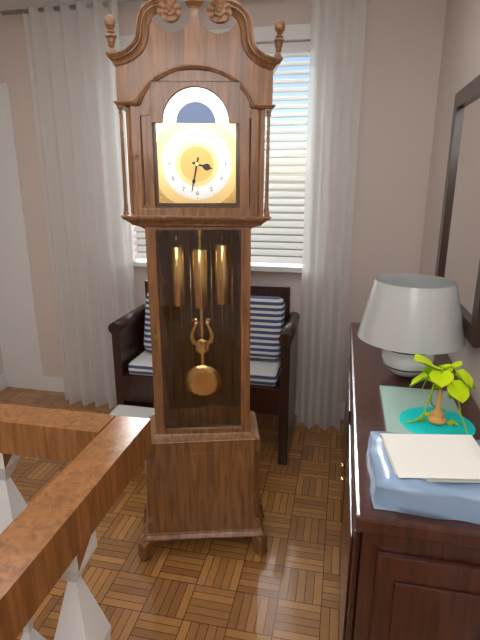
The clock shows 3.32
